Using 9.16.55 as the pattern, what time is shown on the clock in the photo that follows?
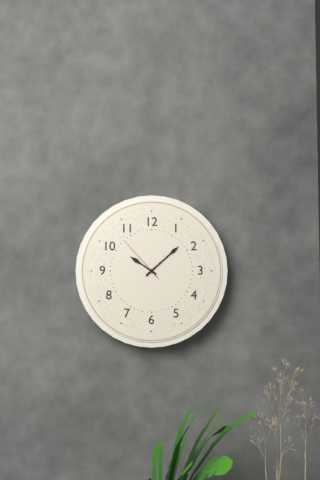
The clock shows 10.08.53
